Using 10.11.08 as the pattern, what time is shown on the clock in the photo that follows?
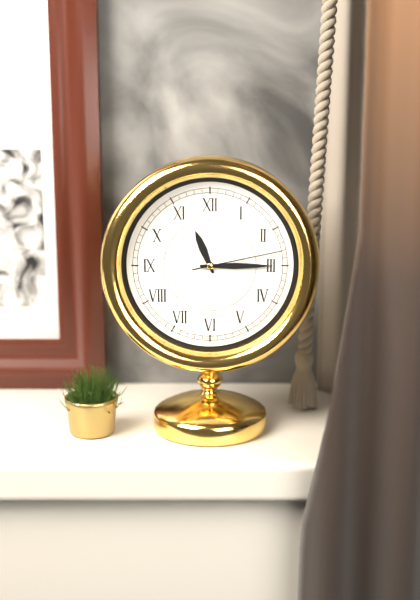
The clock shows 11.15.13
